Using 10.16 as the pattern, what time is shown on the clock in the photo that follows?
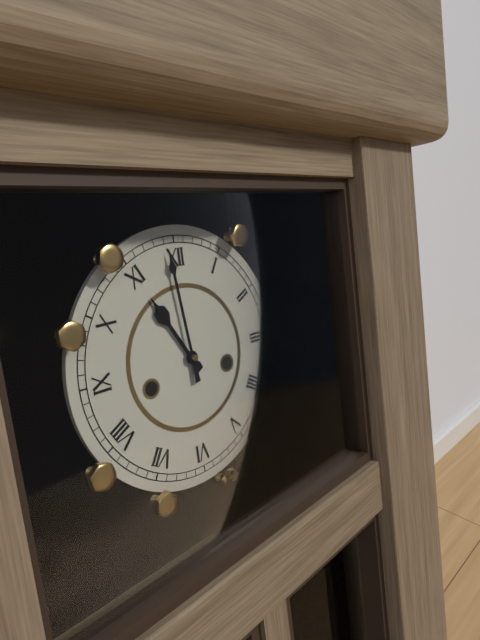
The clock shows 10.59
